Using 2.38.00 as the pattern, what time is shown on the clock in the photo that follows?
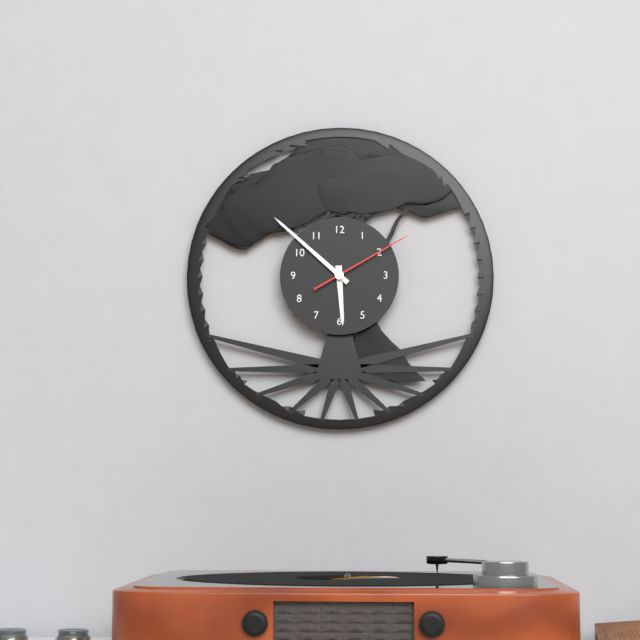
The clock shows 5.52.10
